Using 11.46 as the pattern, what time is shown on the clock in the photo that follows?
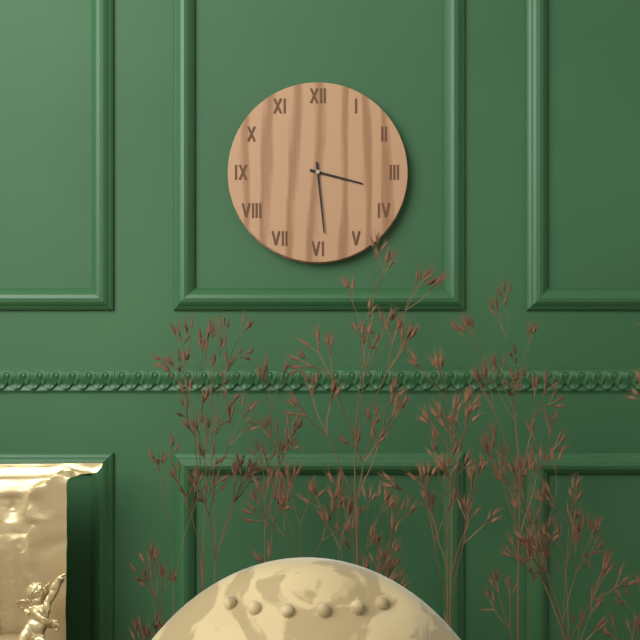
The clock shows 3.29
